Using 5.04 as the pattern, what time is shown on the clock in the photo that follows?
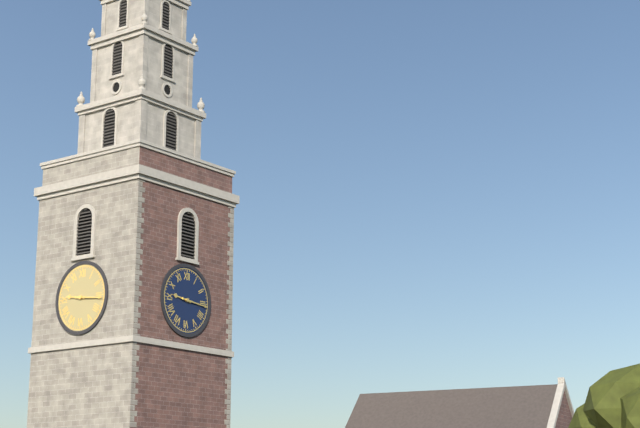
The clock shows 9.16
